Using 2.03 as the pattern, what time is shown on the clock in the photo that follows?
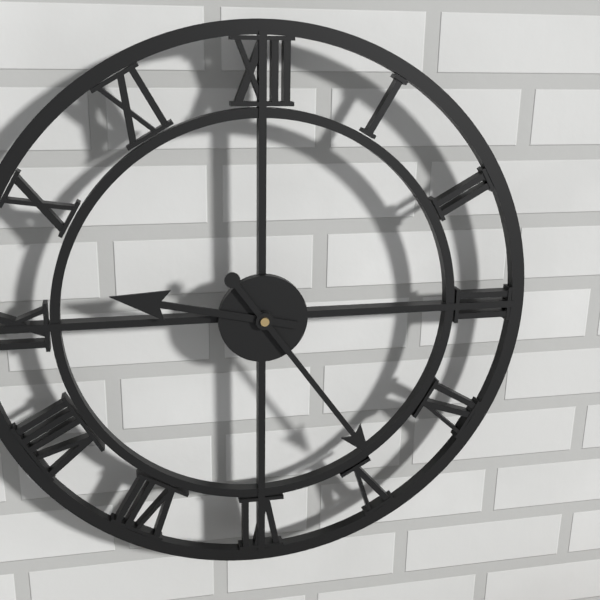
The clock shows 9.24
